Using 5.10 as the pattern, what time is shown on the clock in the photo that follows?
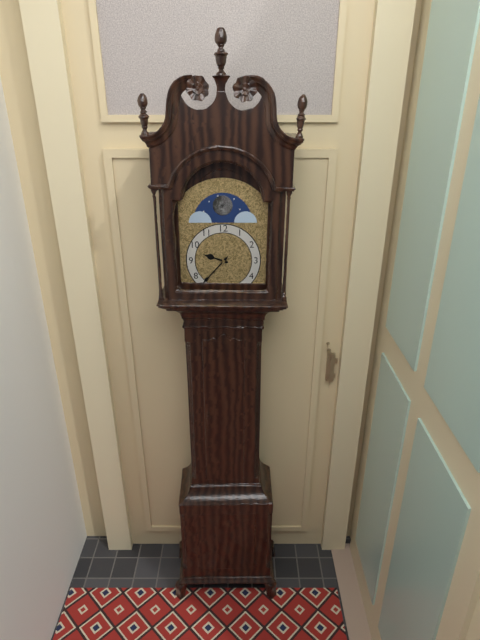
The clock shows 9.37
